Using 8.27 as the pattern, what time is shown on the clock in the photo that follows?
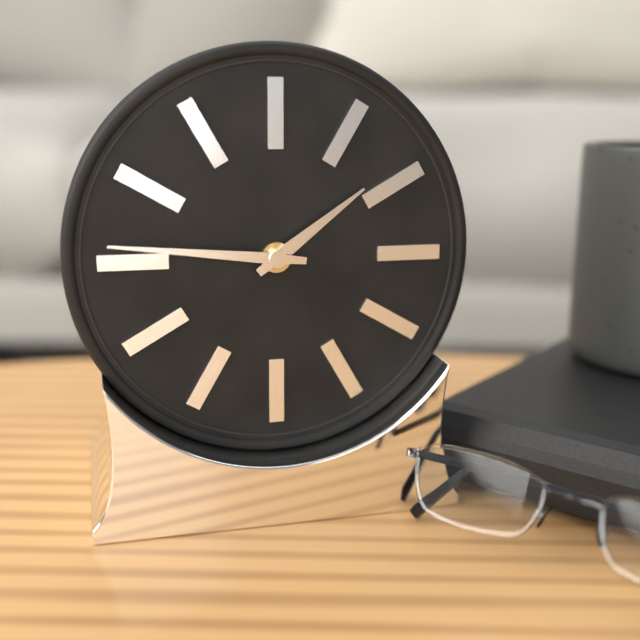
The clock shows 1.46
